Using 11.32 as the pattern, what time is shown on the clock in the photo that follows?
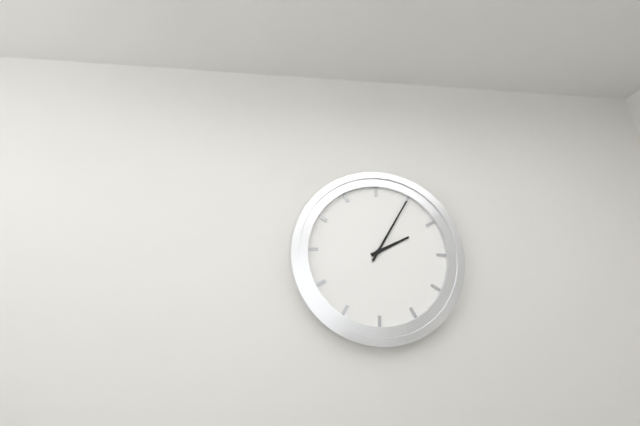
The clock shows 2.05
